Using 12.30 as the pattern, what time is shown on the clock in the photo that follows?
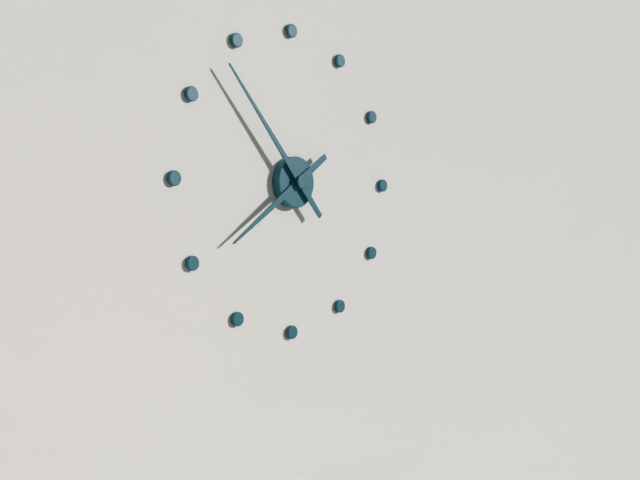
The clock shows 7.53
